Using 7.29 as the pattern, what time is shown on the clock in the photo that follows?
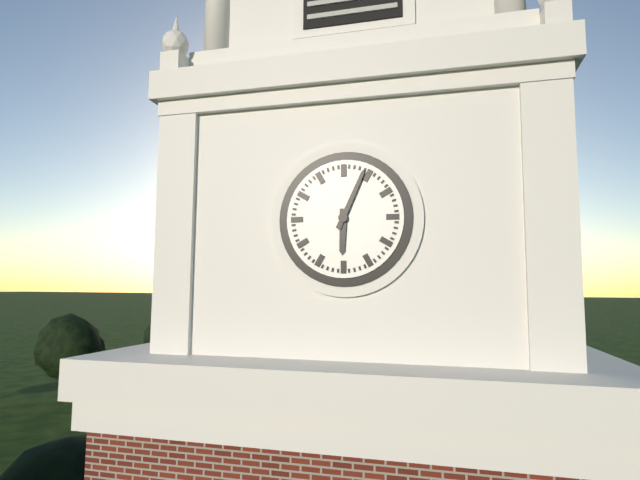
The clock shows 6.04
